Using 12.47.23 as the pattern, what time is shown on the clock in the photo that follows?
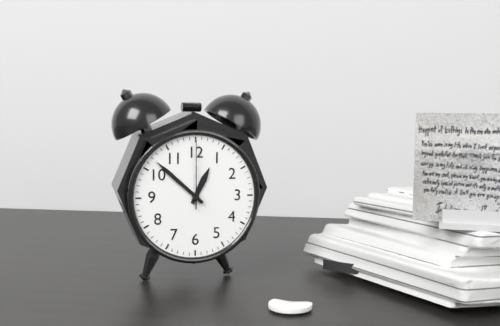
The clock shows 12.52.00
